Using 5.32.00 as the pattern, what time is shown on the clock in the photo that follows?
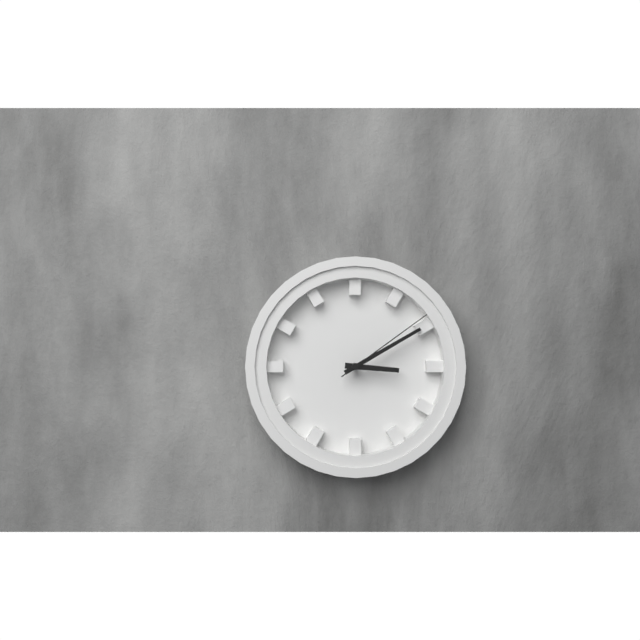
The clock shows 3.10.09
